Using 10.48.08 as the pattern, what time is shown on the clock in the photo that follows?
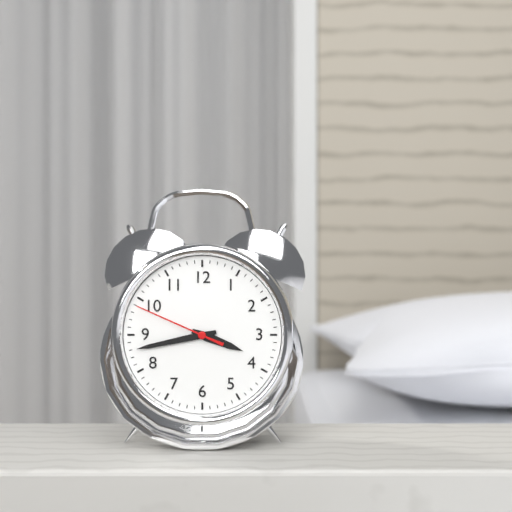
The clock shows 3.43.49
